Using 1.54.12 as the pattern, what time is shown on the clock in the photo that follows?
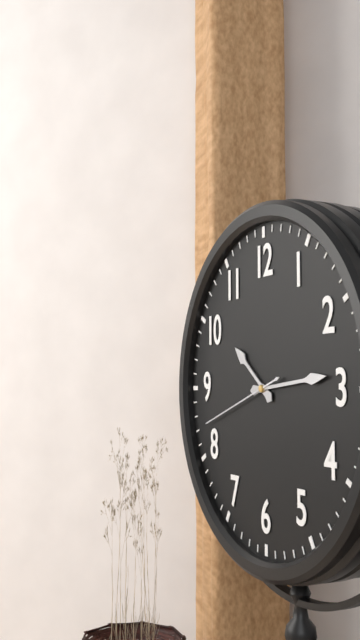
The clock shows 10.14.42
